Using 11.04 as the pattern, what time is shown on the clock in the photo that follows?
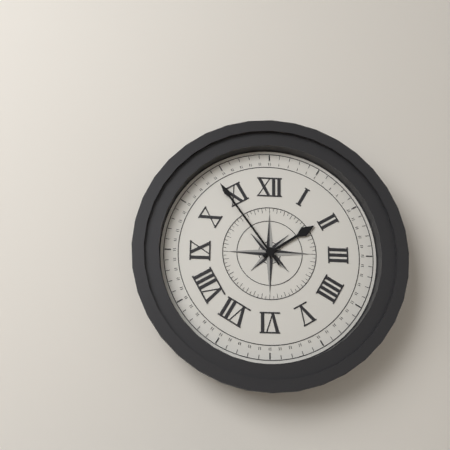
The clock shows 1.54
